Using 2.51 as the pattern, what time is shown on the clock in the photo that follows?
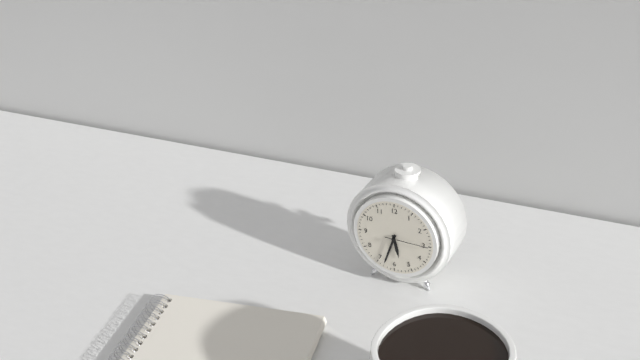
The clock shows 5.33
